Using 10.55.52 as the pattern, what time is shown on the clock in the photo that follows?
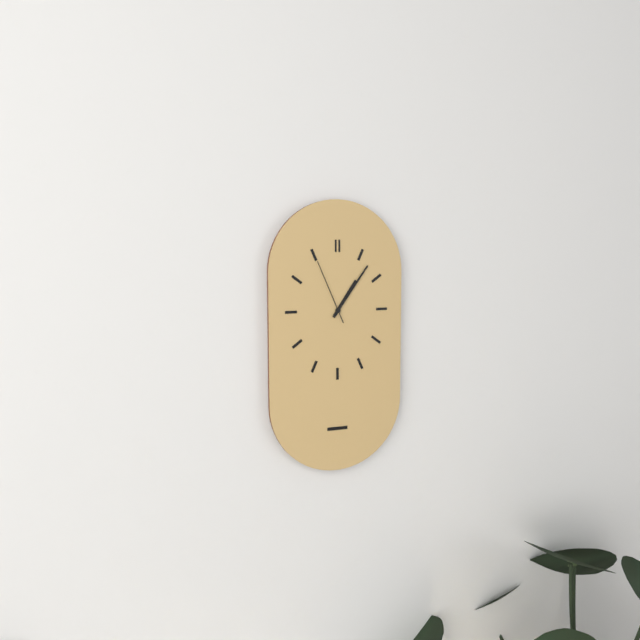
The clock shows 1.06.56
